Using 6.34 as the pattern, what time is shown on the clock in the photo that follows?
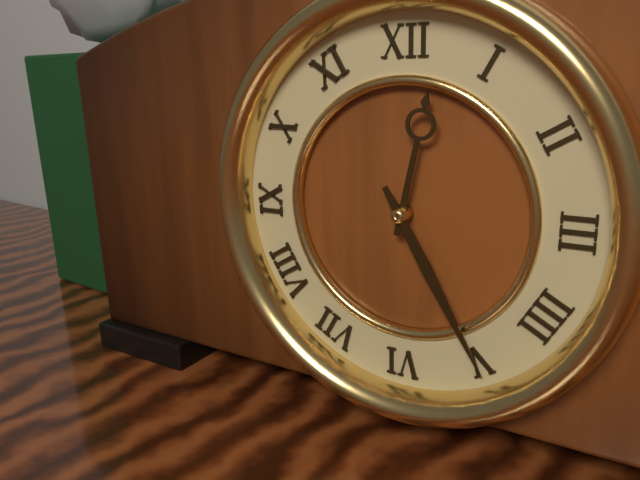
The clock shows 12.25
